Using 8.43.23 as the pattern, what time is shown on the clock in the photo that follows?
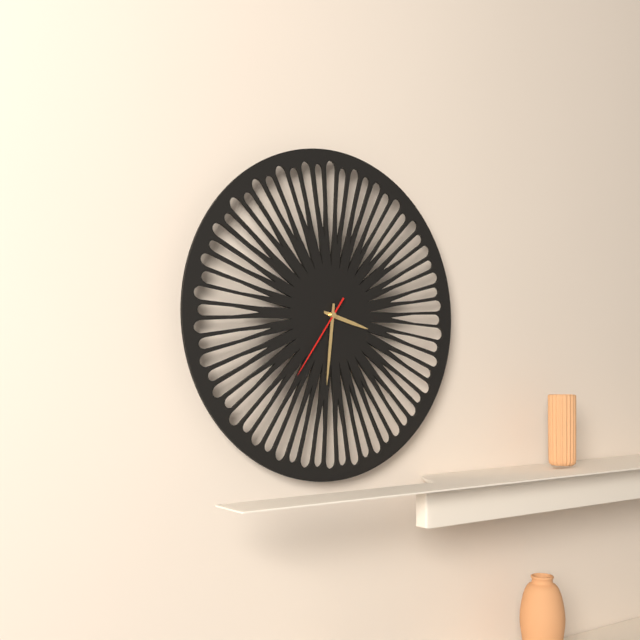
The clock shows 3.31.36
